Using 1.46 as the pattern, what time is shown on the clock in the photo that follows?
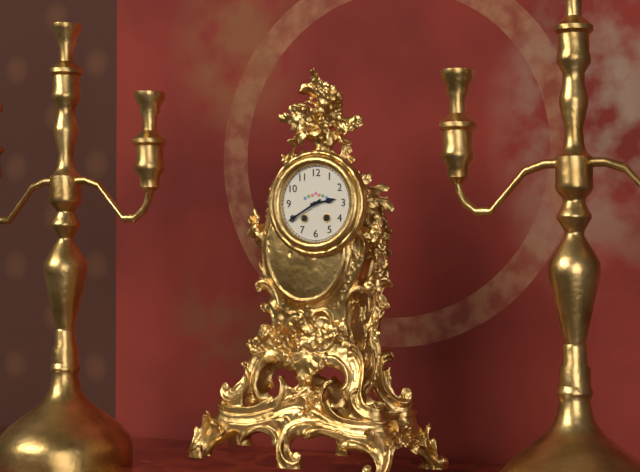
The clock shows 2.40
